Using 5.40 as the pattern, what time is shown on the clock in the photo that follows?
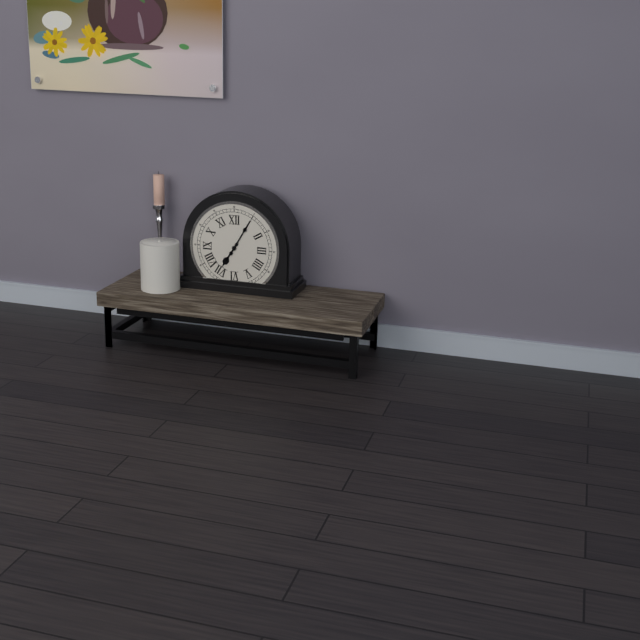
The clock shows 7.05
